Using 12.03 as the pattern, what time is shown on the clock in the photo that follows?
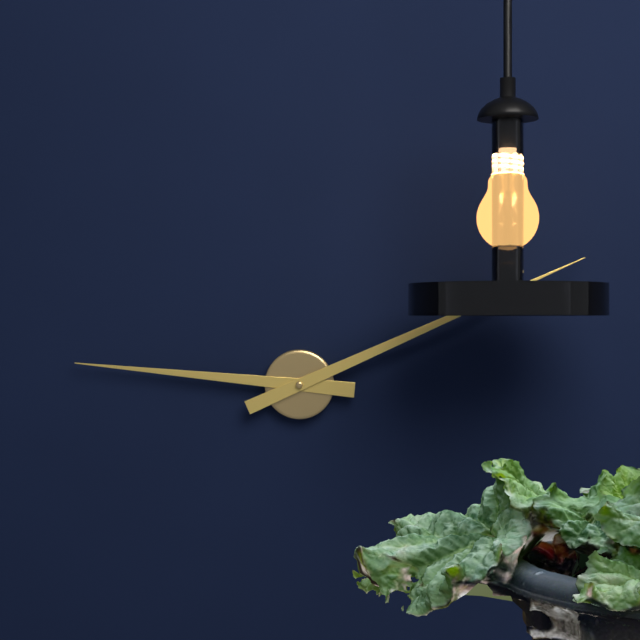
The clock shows 9.11
